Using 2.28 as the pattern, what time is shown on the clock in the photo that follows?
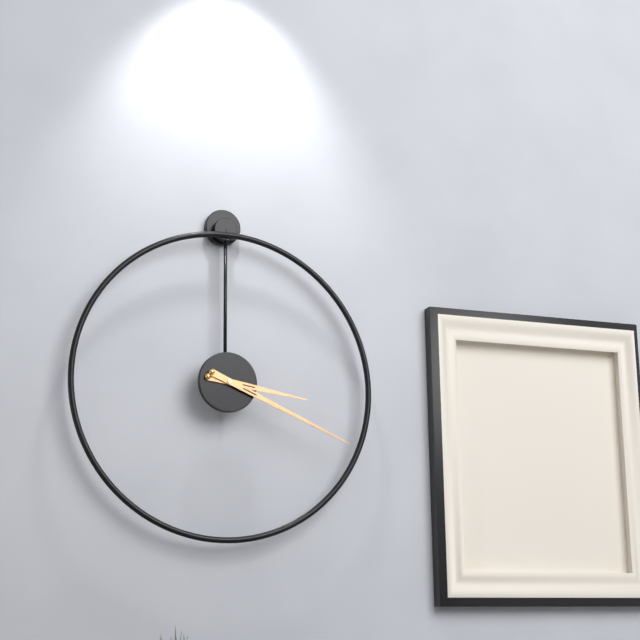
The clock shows 3.19
